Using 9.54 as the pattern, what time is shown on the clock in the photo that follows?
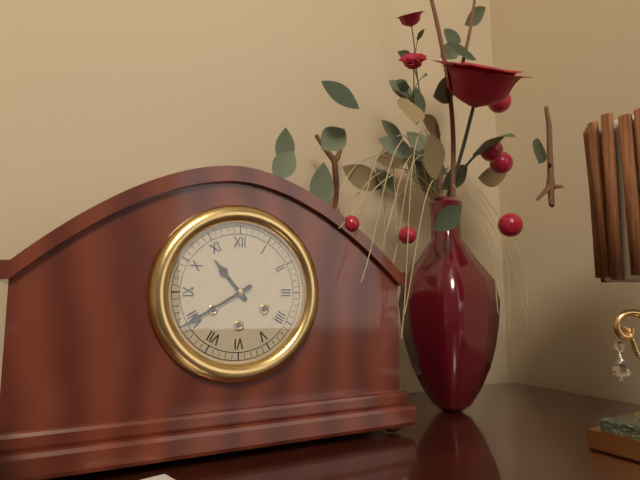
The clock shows 10.40
